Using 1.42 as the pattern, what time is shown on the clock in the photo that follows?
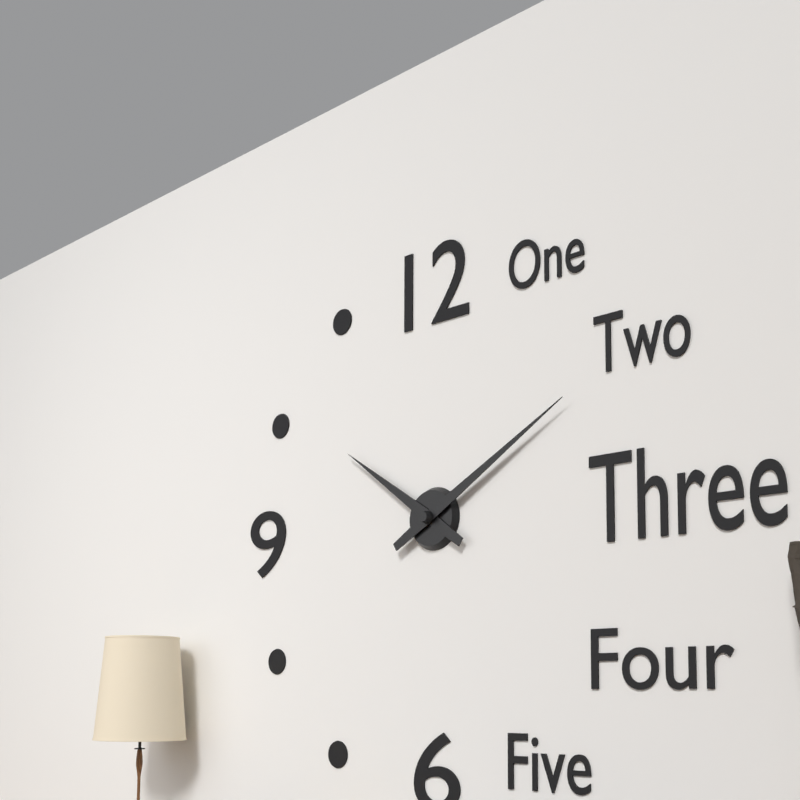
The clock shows 10.10
